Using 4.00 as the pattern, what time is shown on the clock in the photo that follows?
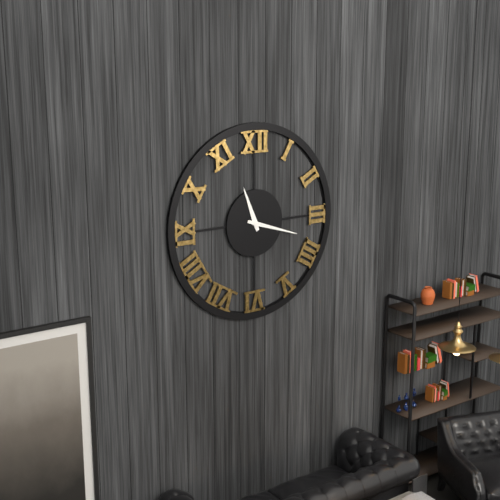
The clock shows 11.18
